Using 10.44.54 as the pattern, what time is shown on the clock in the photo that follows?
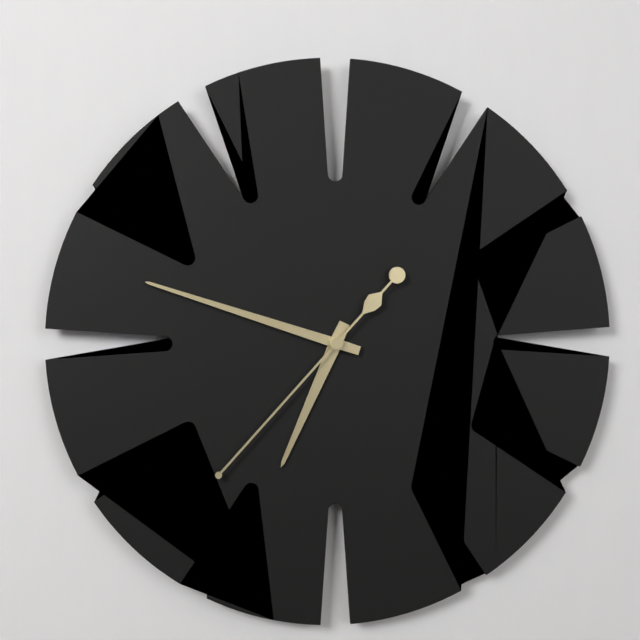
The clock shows 6.48.37
